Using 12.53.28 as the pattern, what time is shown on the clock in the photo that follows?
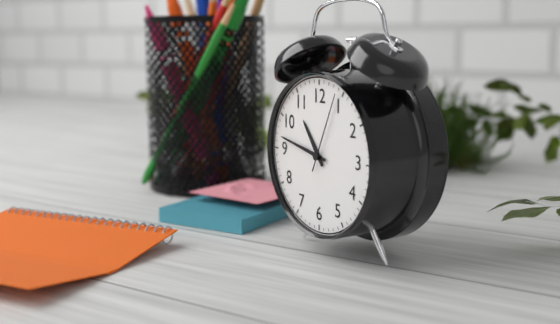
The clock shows 10.47.04
